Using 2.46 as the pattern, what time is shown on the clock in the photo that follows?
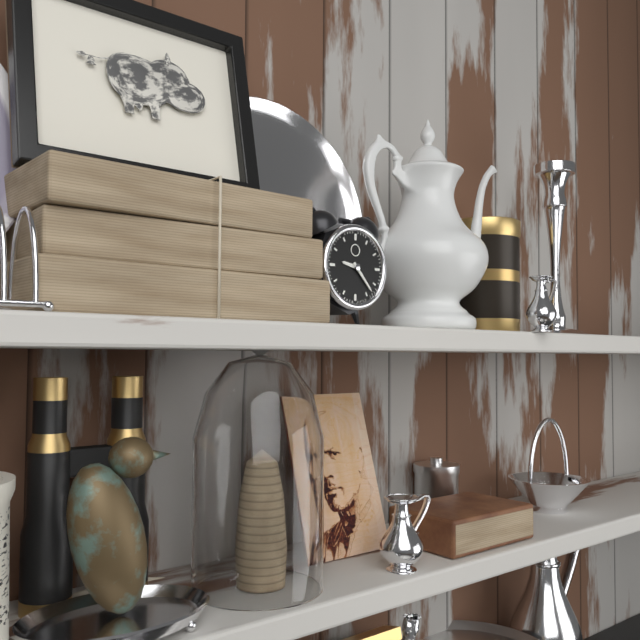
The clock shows 9.23
